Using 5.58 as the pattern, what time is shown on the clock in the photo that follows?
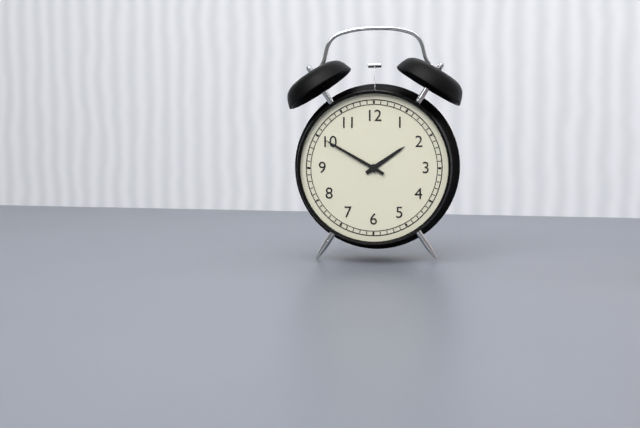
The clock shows 1.50
